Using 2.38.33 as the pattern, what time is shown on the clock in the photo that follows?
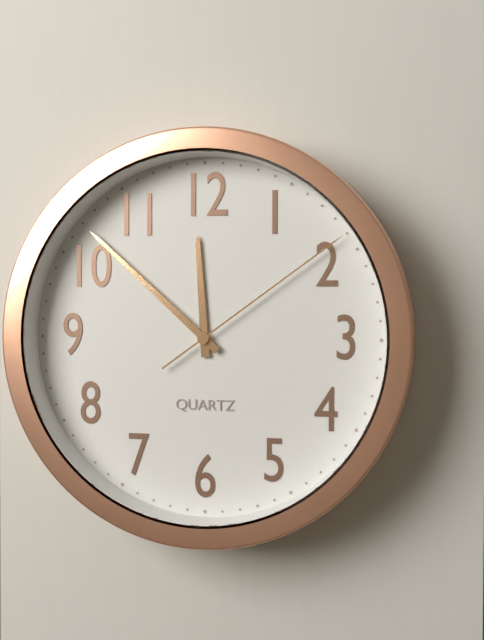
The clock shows 11.52.09
